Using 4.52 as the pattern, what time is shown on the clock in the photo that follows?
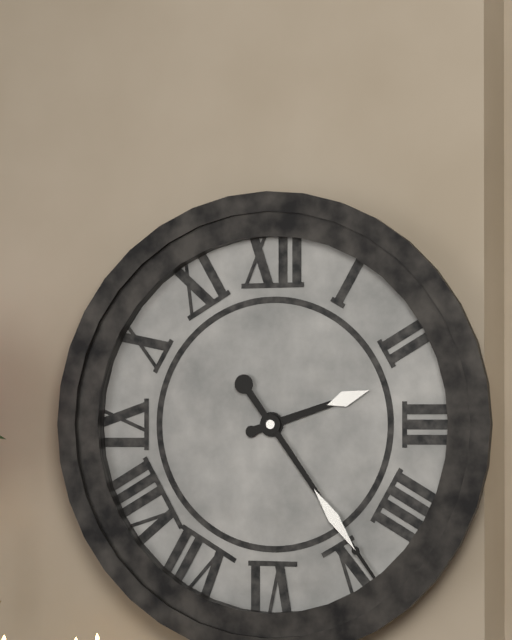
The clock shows 2.24
